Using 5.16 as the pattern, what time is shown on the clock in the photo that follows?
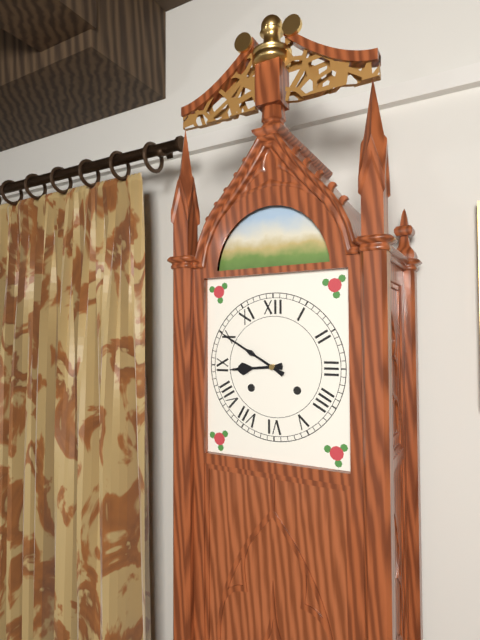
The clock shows 8.50
